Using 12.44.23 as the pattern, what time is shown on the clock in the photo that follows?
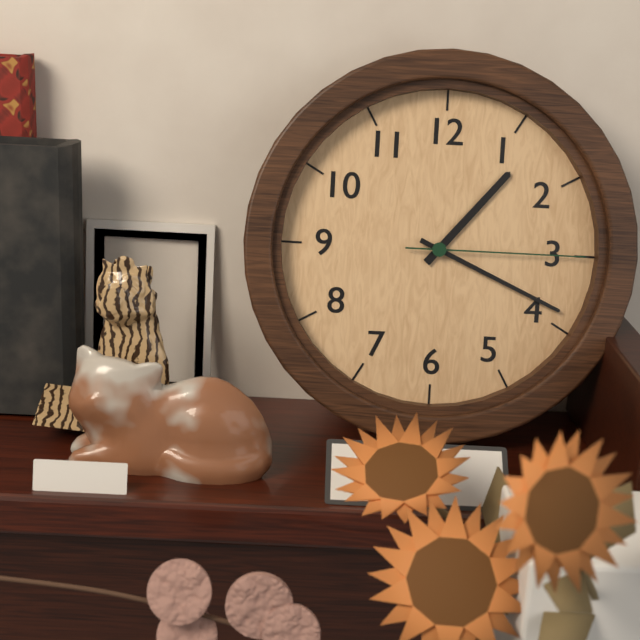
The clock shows 1.19.15
